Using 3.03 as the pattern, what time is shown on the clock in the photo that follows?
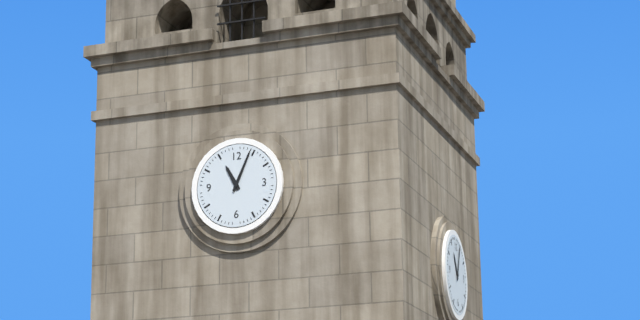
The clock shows 11.04
